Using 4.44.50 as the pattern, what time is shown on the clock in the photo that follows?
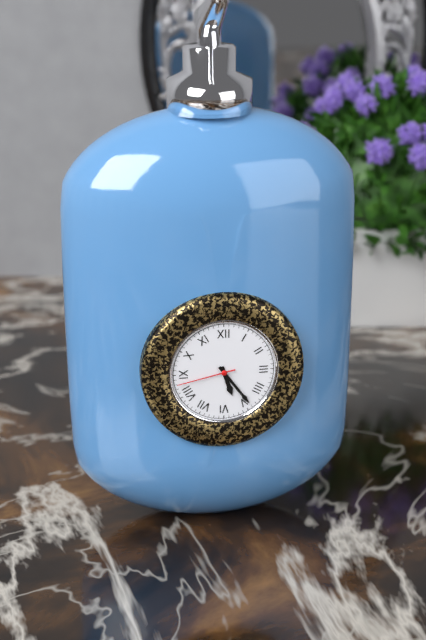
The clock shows 5.24.43
